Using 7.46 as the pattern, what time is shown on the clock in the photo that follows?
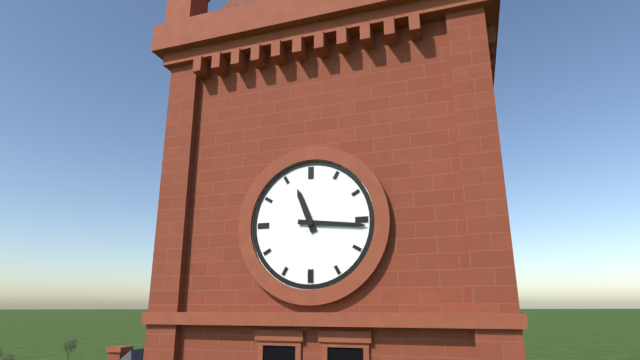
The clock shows 11.16
